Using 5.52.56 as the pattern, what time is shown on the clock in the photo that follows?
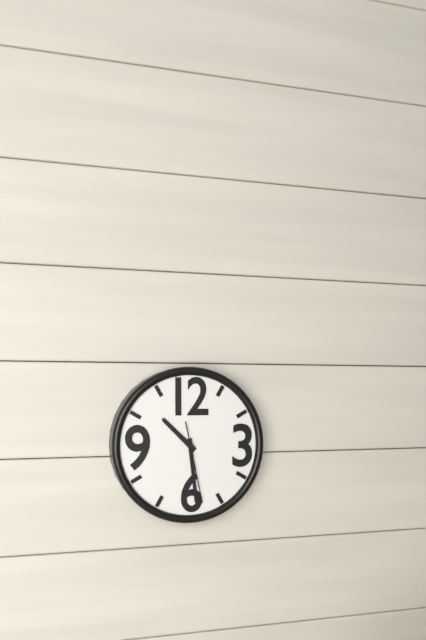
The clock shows 10.29.28
